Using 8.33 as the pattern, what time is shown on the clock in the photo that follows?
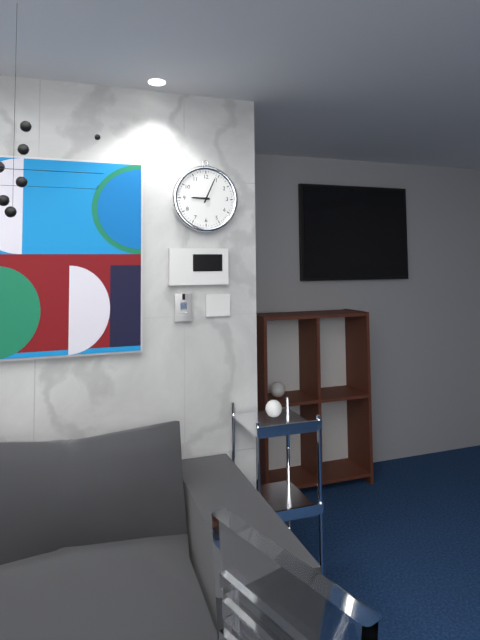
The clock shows 9.04
